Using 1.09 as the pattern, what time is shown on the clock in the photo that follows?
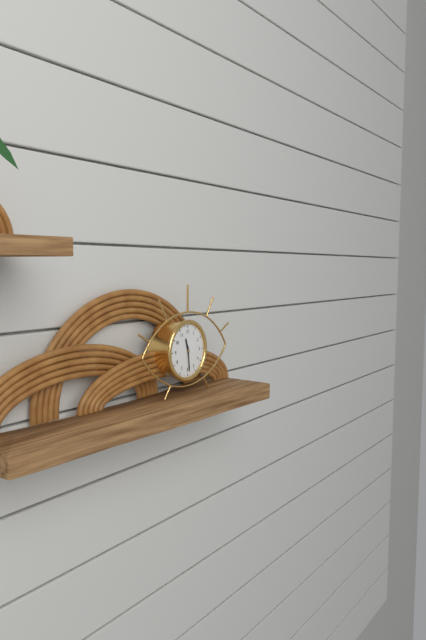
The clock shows 11.29
